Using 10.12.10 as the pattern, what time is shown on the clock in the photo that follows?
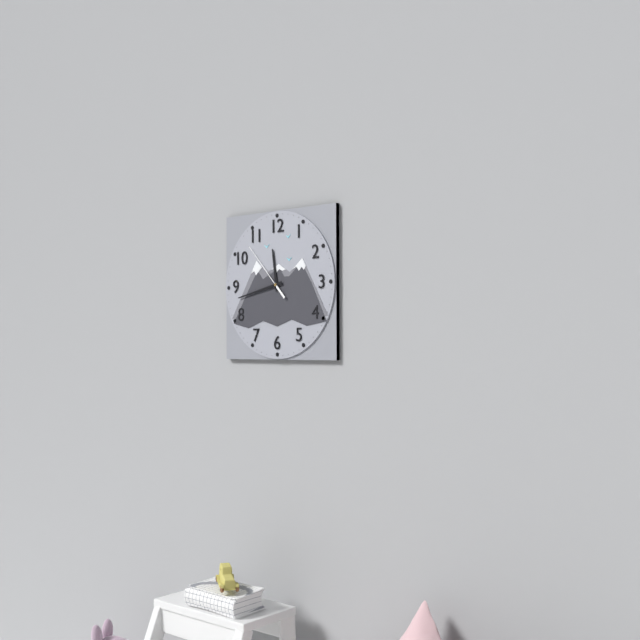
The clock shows 11.43.53
